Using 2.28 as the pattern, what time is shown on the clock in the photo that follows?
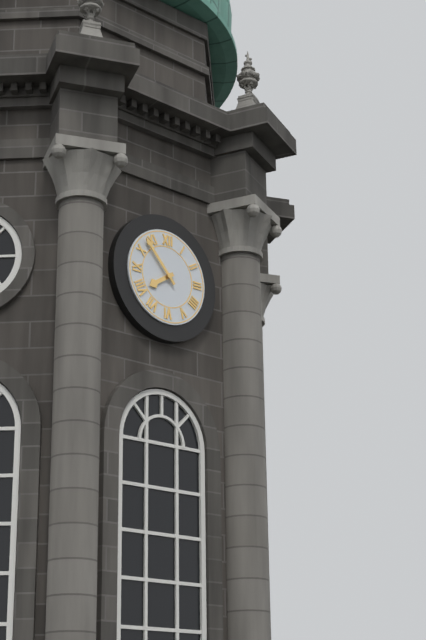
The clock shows 7.53
